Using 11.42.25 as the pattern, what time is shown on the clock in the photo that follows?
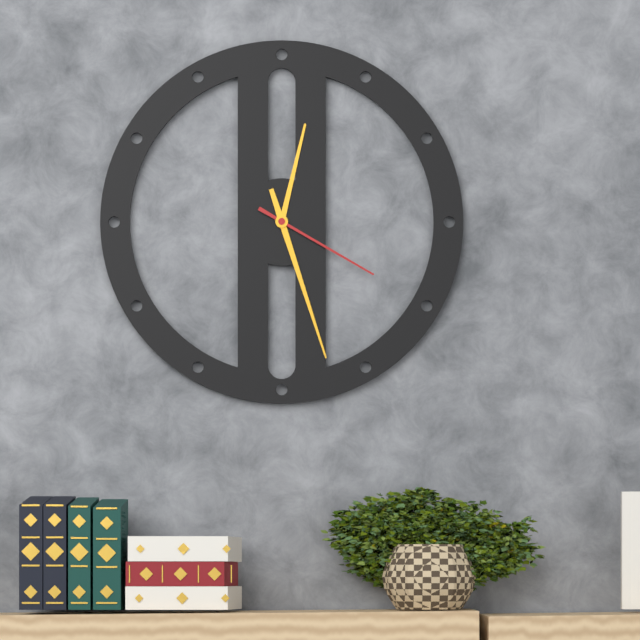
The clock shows 12.27.20
